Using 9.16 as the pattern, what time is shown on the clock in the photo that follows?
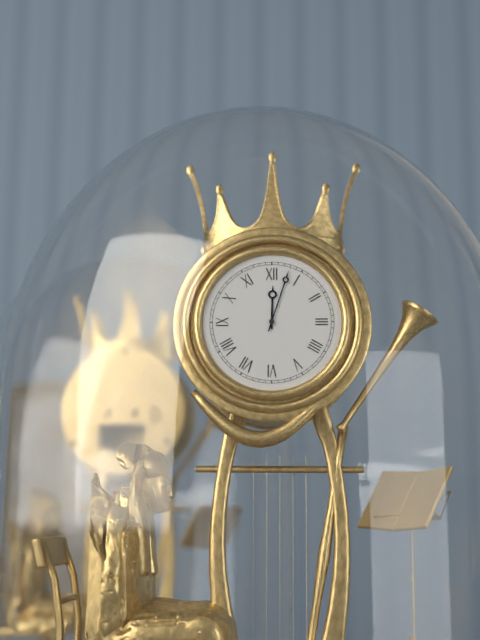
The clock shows 12.03
